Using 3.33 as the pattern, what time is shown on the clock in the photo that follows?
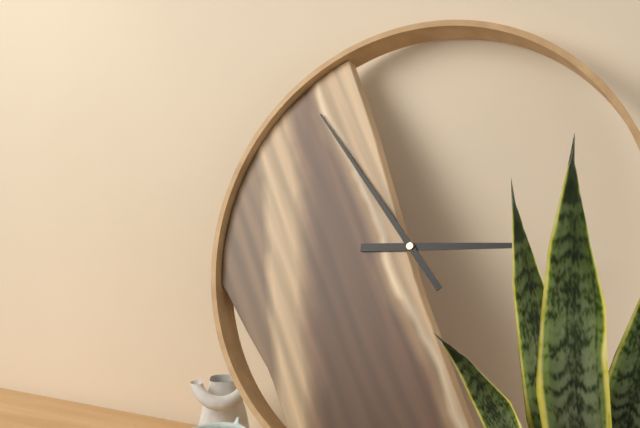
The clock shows 2.53
